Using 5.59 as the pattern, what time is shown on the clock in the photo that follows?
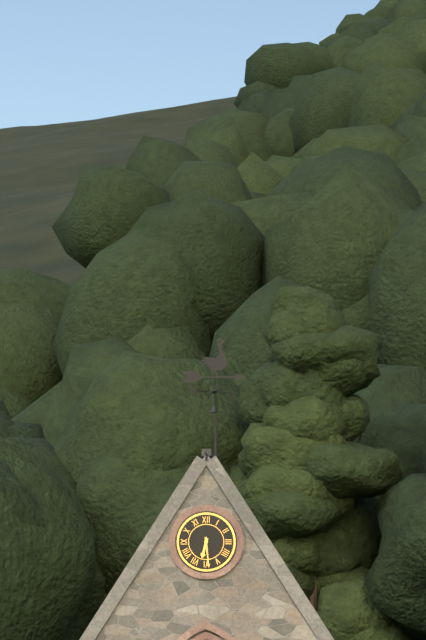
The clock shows 6.29
